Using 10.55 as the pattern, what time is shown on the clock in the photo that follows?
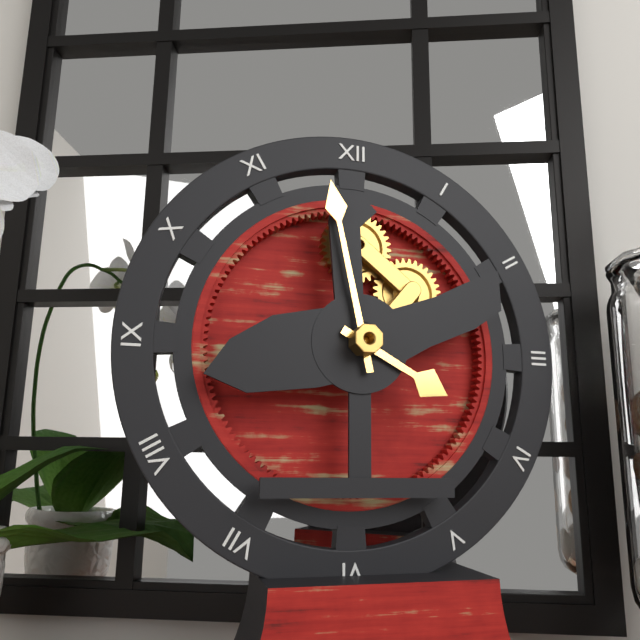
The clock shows 3.58
